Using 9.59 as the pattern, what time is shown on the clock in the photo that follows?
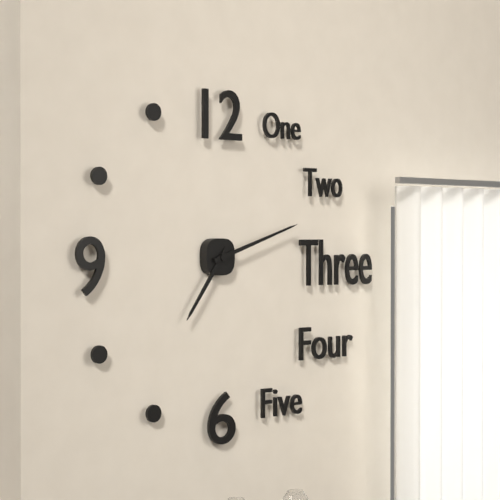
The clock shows 7.12
